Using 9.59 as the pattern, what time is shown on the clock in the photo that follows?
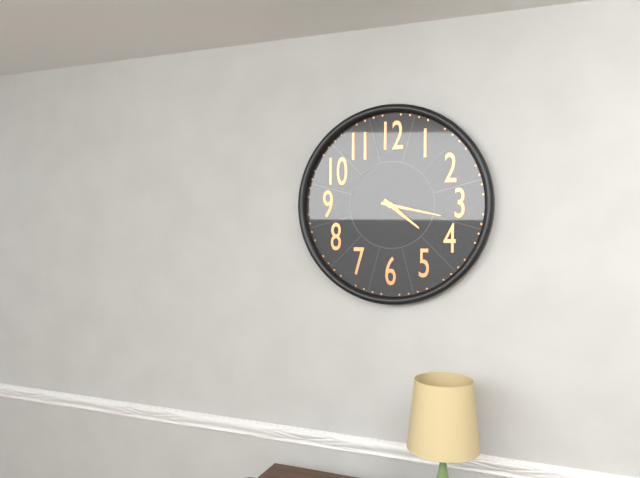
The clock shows 4.17
